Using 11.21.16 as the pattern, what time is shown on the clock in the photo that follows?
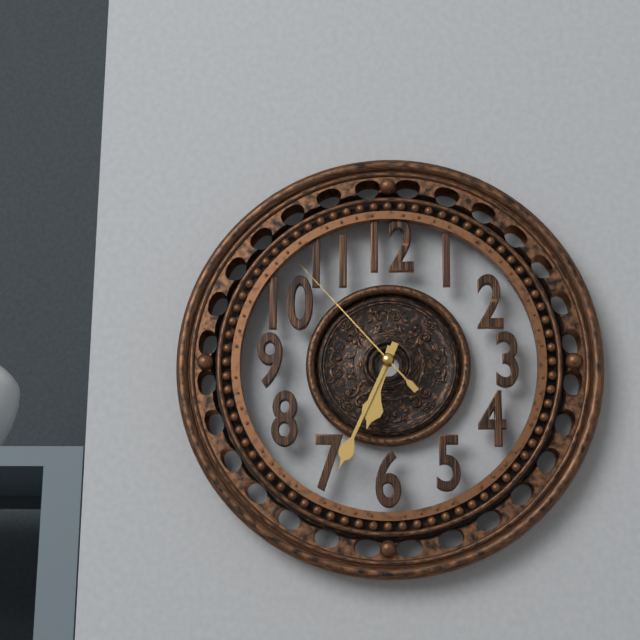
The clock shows 6.34.53
